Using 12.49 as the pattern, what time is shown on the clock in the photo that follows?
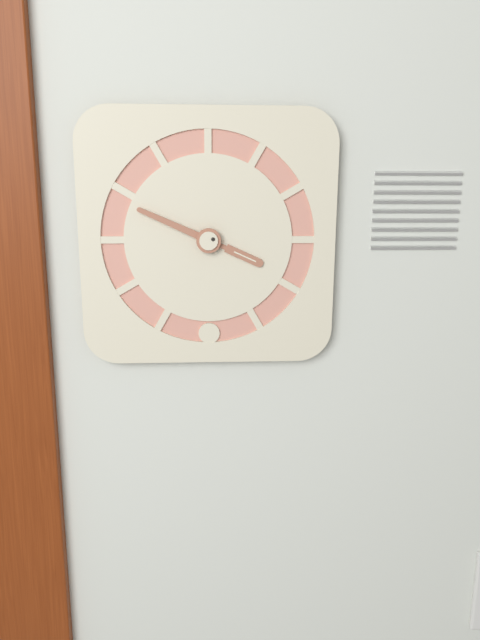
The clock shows 3.49
